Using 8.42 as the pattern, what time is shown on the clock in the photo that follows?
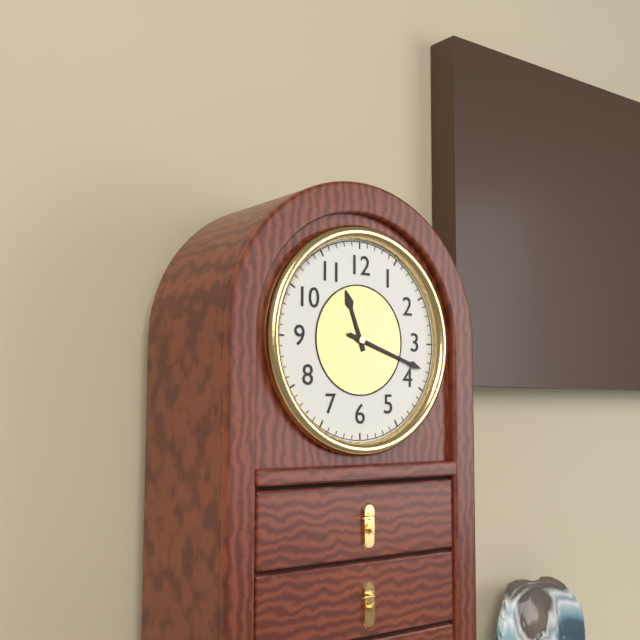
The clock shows 11.18
